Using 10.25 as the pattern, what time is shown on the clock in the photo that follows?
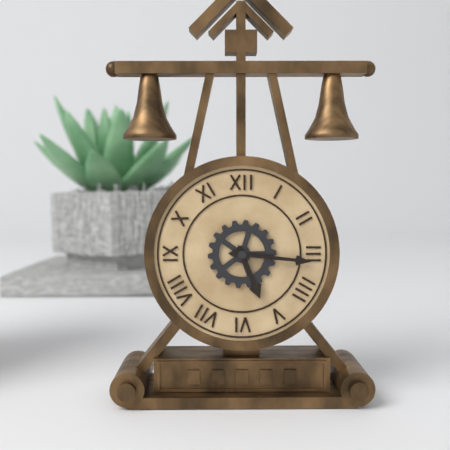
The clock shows 5.16
